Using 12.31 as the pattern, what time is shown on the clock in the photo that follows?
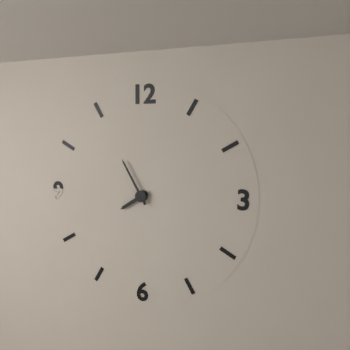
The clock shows 7.55
